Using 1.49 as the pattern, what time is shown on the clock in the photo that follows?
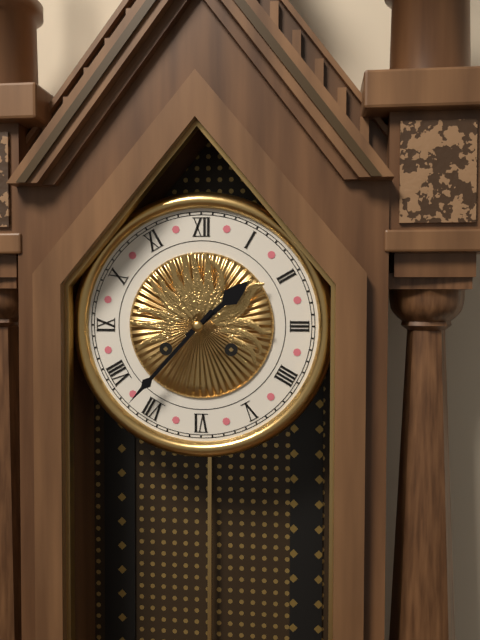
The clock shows 1.37
